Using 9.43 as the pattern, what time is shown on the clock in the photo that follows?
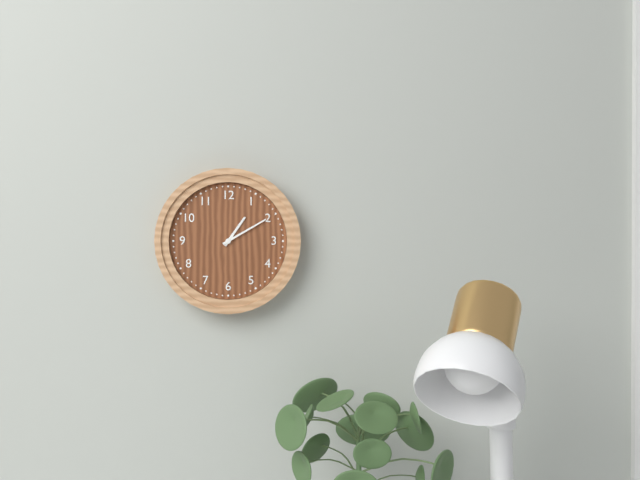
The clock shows 1.10
